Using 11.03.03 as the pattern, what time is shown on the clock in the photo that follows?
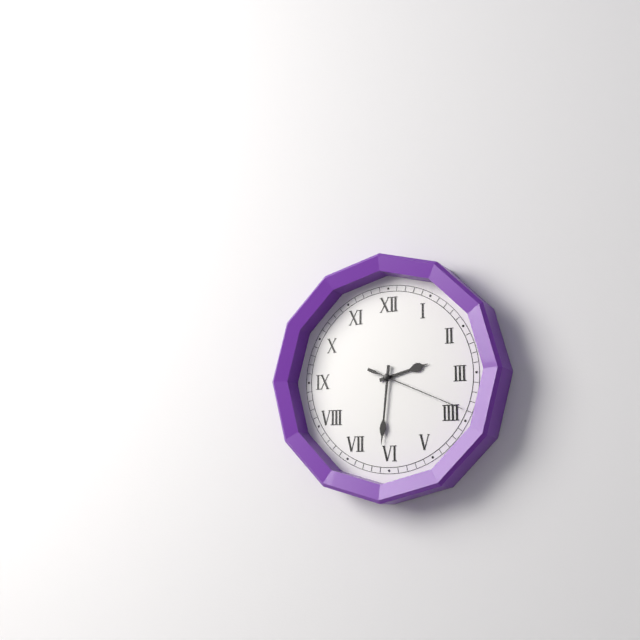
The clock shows 2.31.19
